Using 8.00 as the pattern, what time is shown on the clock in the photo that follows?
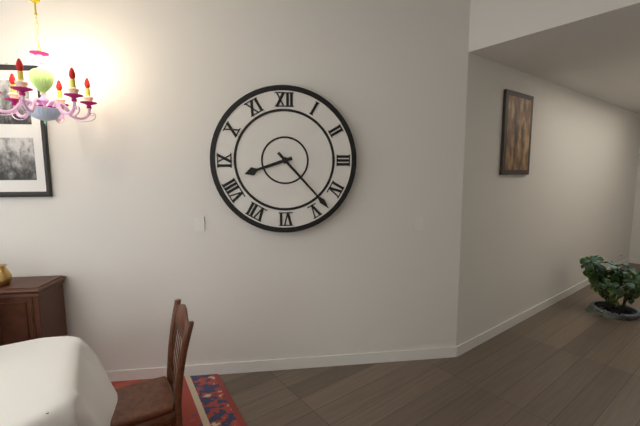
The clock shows 8.23
